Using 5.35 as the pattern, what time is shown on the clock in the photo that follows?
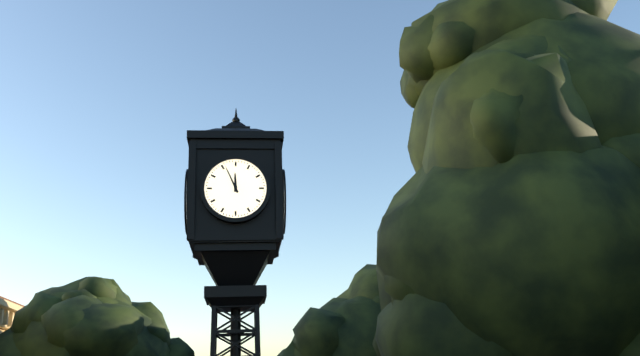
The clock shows 11.56
